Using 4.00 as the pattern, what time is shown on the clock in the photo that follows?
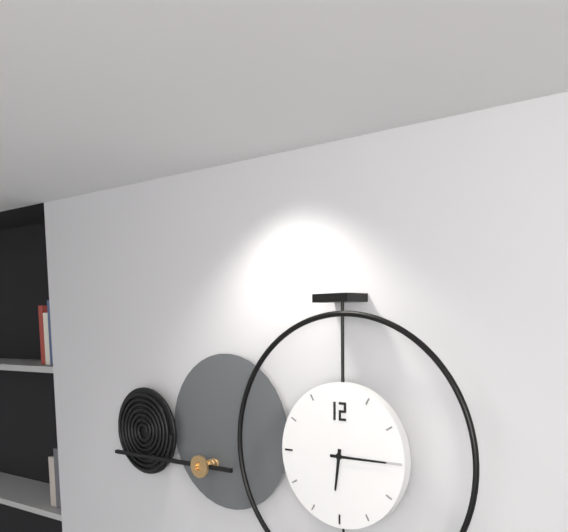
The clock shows 6.15
